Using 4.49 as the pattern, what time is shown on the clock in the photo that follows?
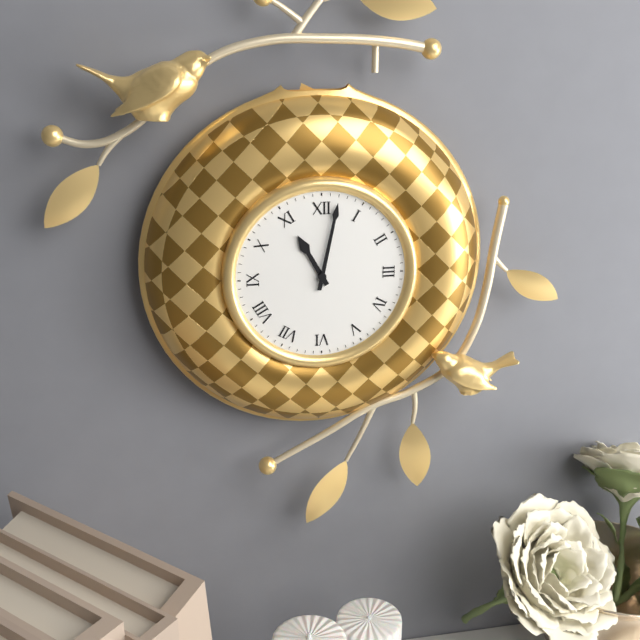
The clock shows 11.02
